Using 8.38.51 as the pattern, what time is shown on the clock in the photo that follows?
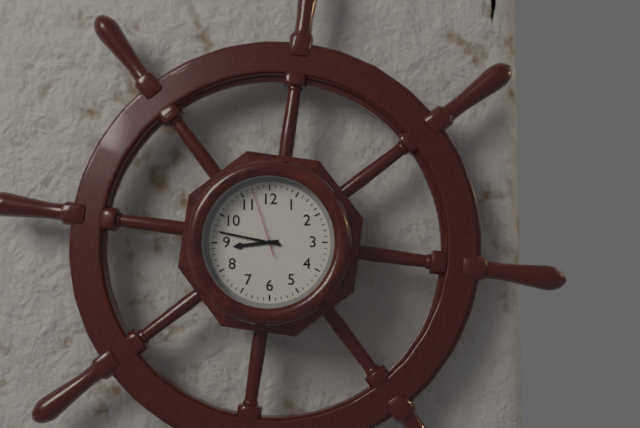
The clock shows 8.47.57
